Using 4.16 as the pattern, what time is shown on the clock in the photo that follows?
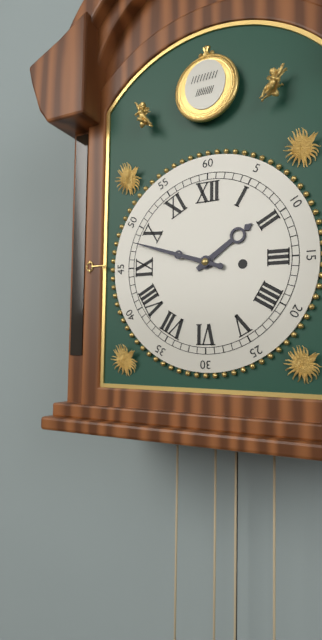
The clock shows 1.48
